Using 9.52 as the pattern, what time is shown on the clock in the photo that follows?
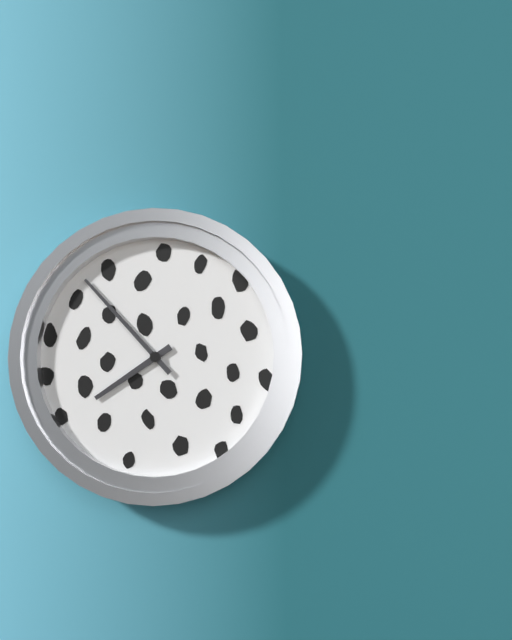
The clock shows 7.53
